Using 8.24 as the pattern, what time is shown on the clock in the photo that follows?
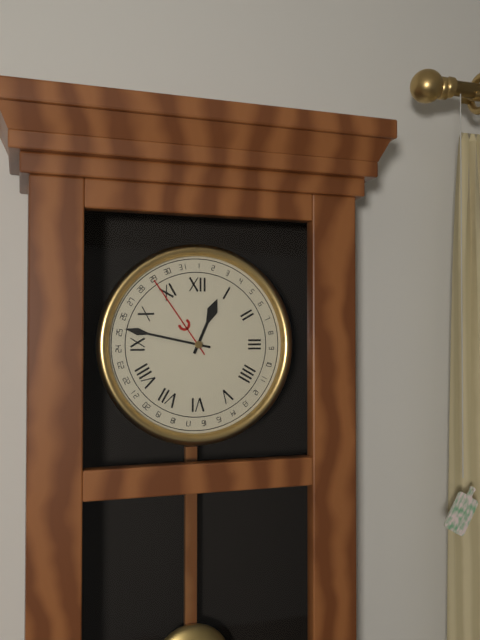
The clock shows 12.47
